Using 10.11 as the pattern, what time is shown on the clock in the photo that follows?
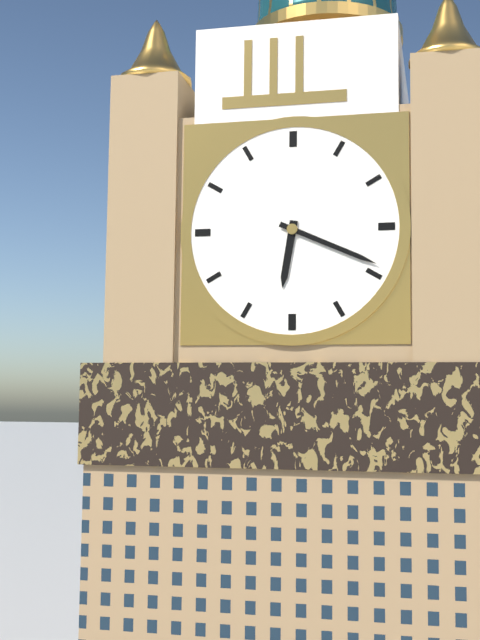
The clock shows 6.19
